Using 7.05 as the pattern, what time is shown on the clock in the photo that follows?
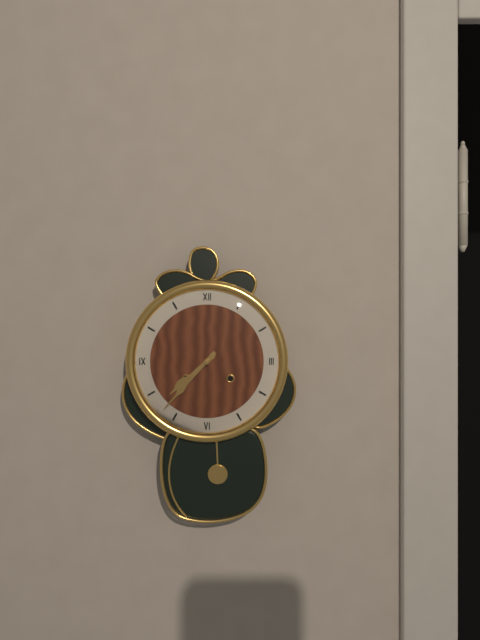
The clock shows 7.37
